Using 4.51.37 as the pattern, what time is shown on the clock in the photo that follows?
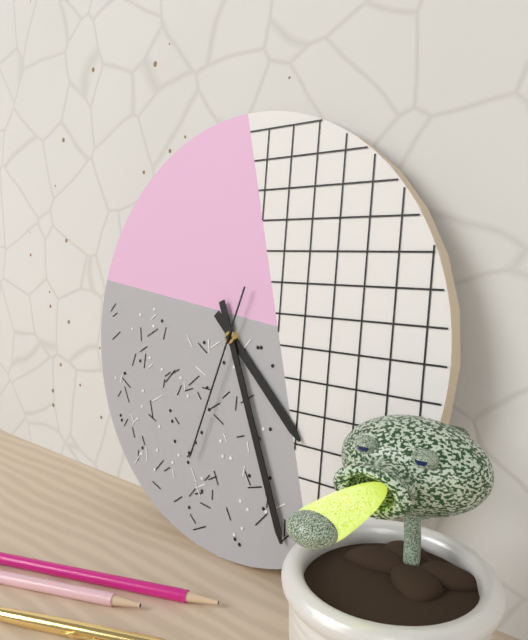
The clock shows 4.26.33
